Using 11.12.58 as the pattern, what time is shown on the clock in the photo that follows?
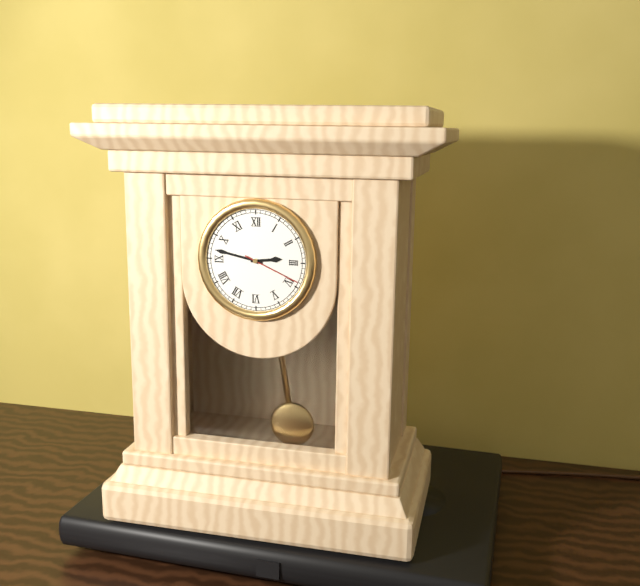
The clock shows 2.47.19
